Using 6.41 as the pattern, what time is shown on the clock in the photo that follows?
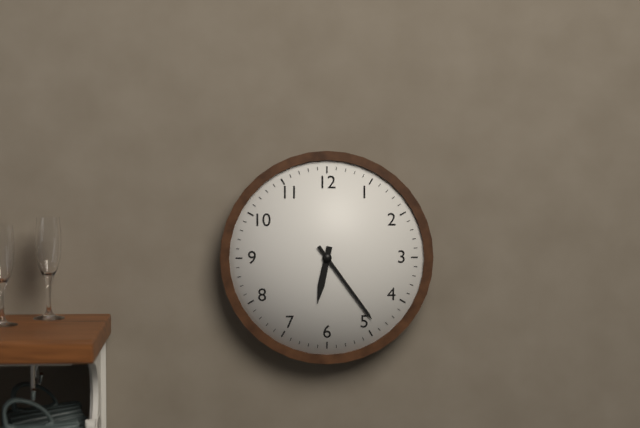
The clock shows 6.24
